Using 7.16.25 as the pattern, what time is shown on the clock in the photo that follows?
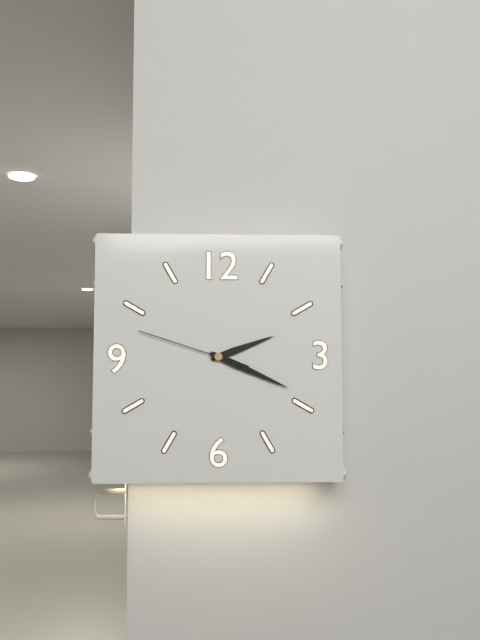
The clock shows 2.19.48
